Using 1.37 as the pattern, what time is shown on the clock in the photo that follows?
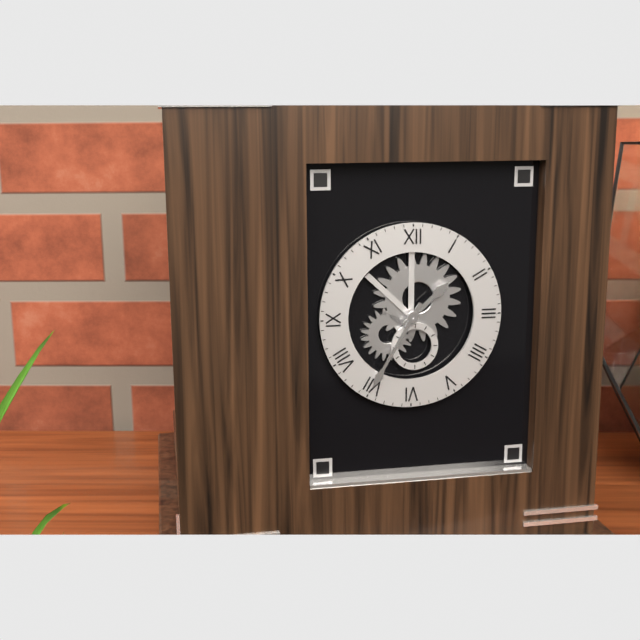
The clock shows 1.35
